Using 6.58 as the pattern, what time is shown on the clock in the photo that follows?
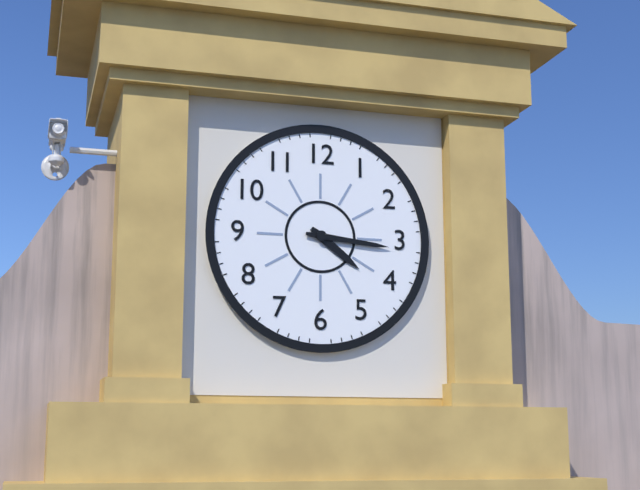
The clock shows 4.16
